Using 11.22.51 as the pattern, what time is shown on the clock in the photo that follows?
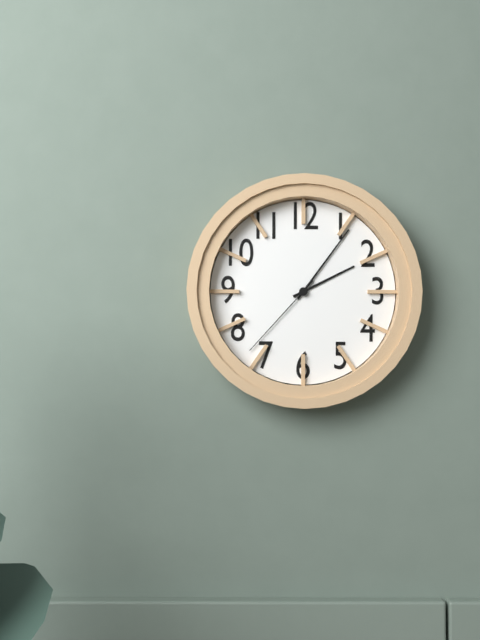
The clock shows 2.06.37
